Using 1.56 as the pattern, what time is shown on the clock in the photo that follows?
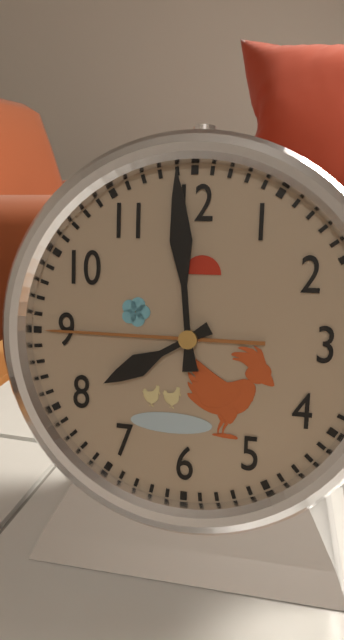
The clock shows 7.59
